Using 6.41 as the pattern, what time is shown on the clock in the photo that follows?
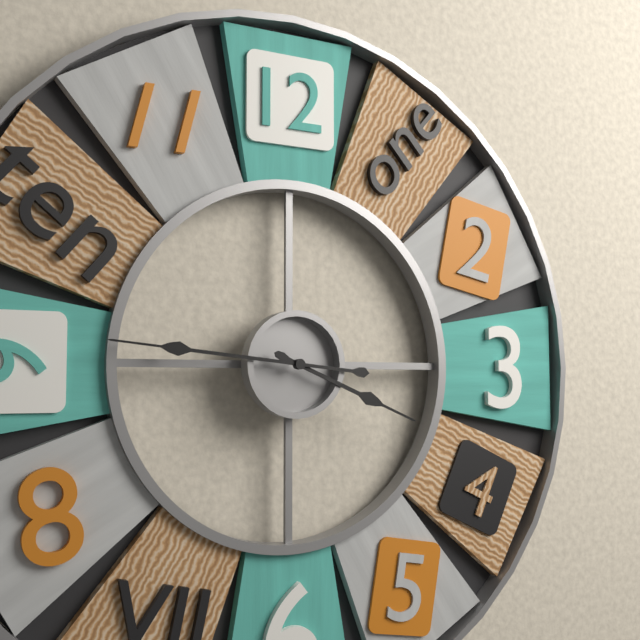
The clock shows 3.46
